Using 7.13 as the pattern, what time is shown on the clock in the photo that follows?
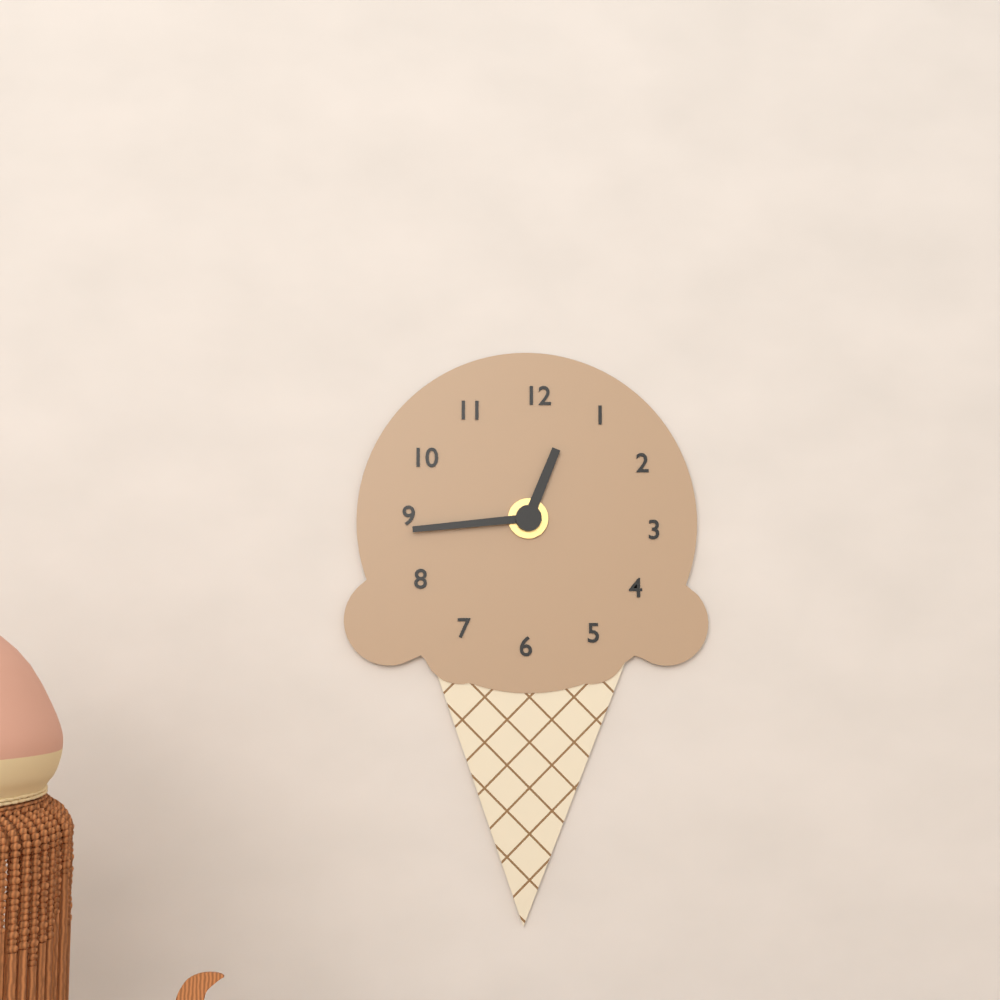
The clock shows 12.44
